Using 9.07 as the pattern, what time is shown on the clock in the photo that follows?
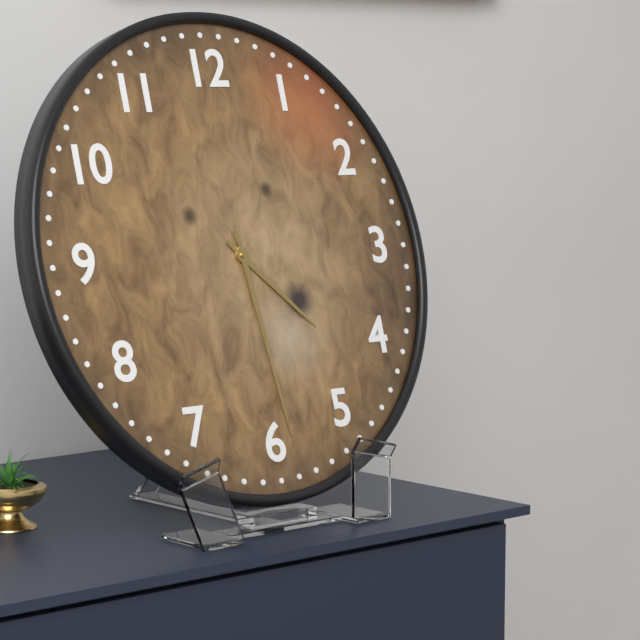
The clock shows 4.29
